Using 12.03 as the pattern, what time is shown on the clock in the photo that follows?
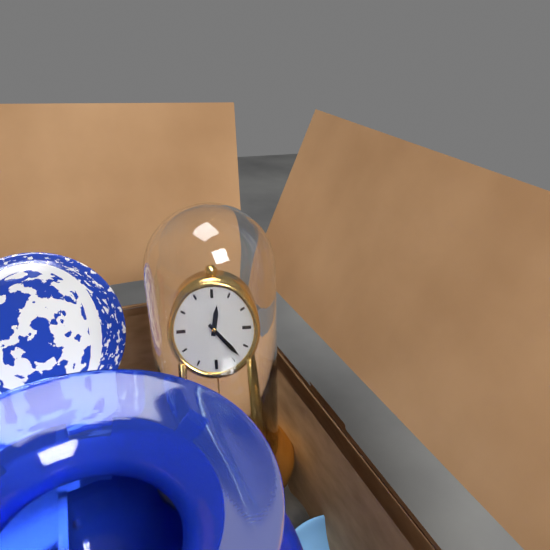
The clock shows 12.23
